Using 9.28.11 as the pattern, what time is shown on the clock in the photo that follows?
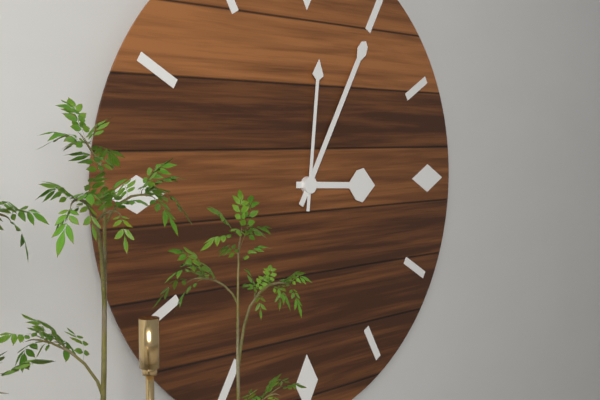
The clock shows 3.05.01
